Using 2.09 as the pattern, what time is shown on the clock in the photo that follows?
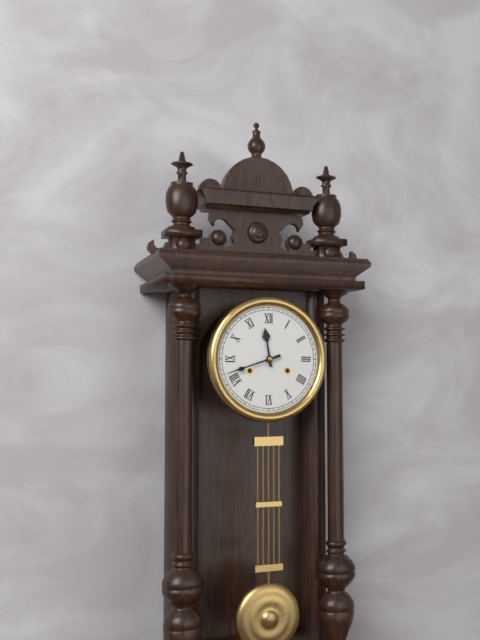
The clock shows 11.42
